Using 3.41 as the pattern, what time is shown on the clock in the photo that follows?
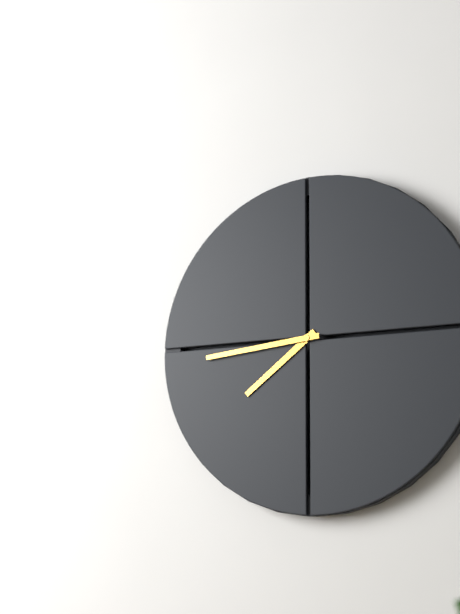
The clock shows 7.44
